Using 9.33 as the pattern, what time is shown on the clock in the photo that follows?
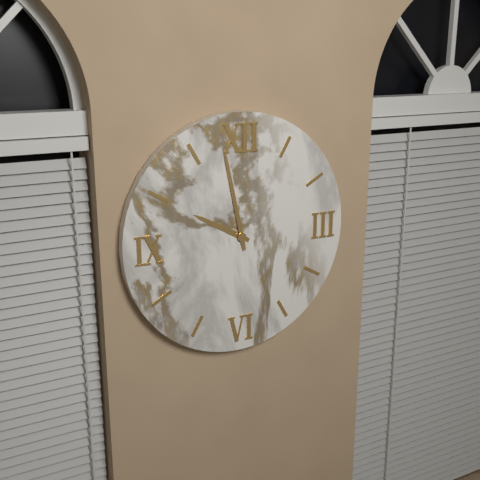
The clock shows 9.58
